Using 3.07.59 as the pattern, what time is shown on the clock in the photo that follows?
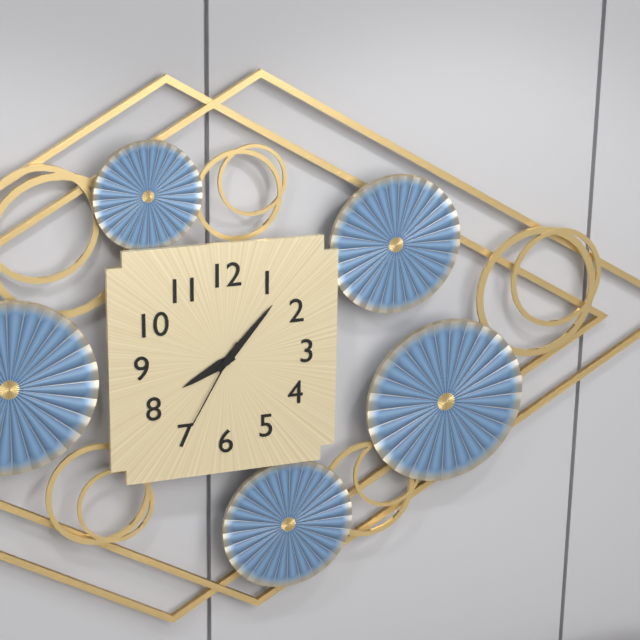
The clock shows 8.07.35
